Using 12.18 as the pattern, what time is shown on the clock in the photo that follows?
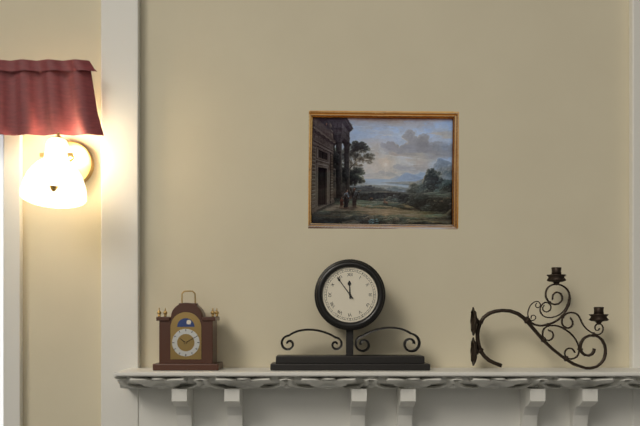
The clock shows 11.54
